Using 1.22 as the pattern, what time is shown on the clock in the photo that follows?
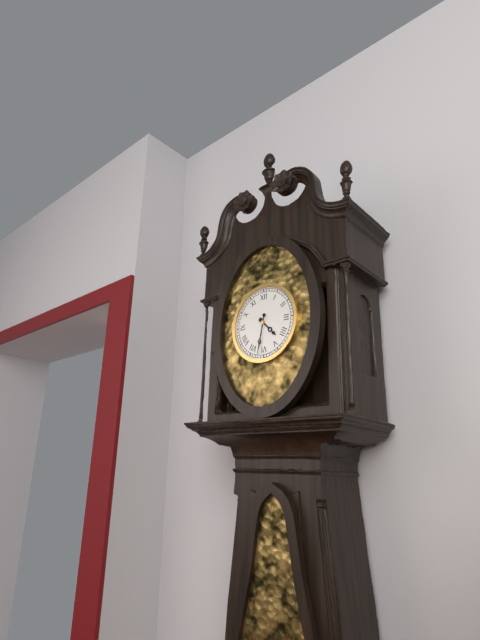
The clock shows 4.32
